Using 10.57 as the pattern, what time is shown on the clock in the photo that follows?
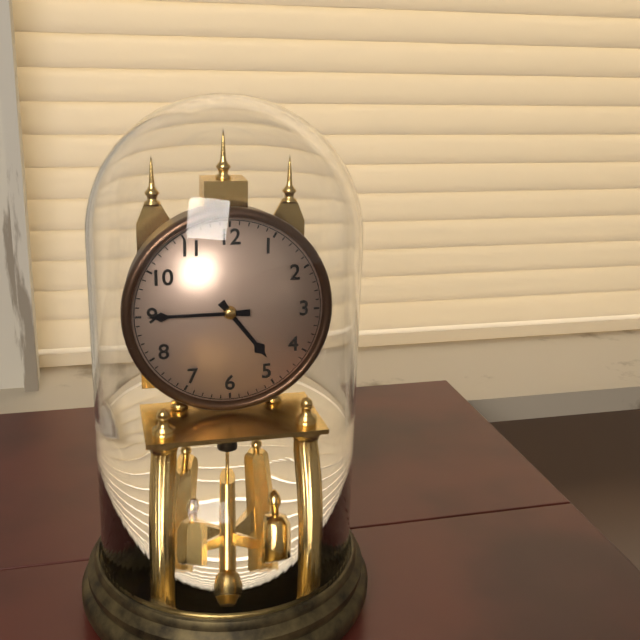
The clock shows 4.45
